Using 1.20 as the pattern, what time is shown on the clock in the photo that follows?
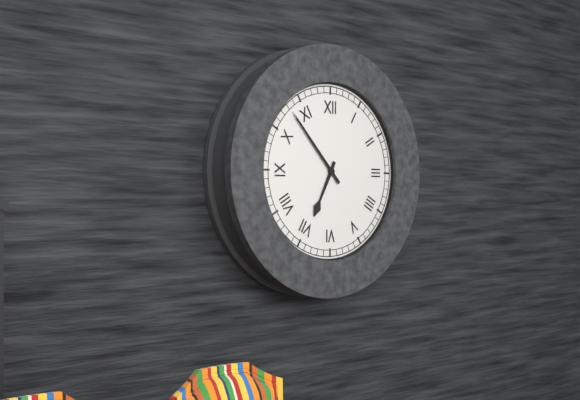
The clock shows 6.53
